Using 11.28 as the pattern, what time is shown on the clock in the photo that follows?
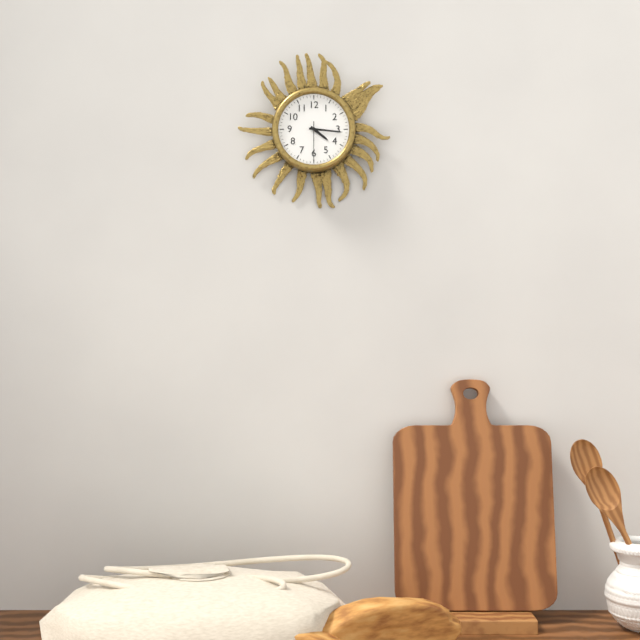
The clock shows 4.16
